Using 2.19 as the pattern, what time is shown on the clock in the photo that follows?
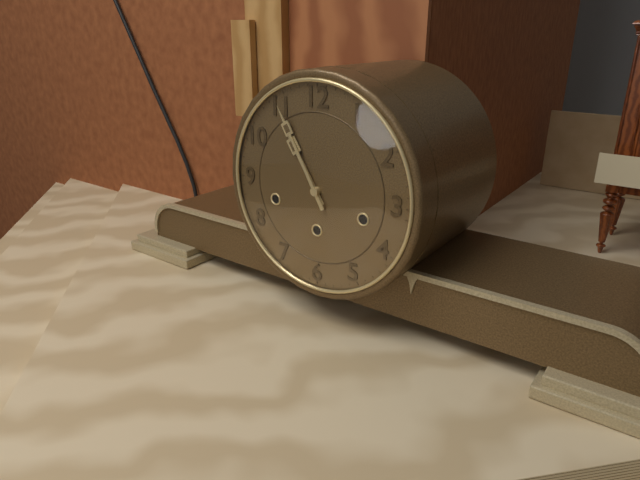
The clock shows 10.55
